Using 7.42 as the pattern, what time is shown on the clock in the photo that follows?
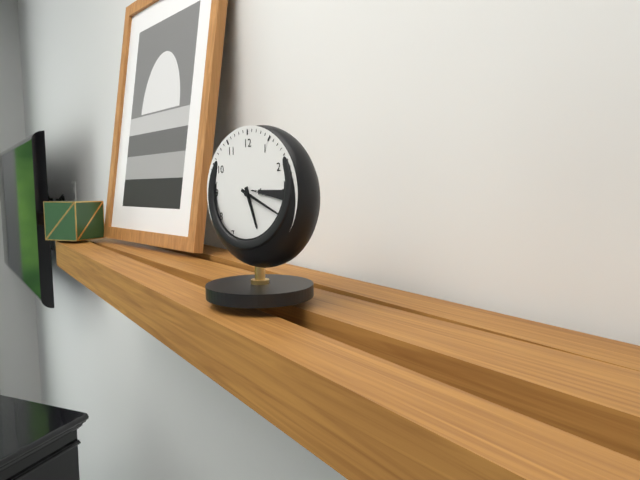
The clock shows 5.19
